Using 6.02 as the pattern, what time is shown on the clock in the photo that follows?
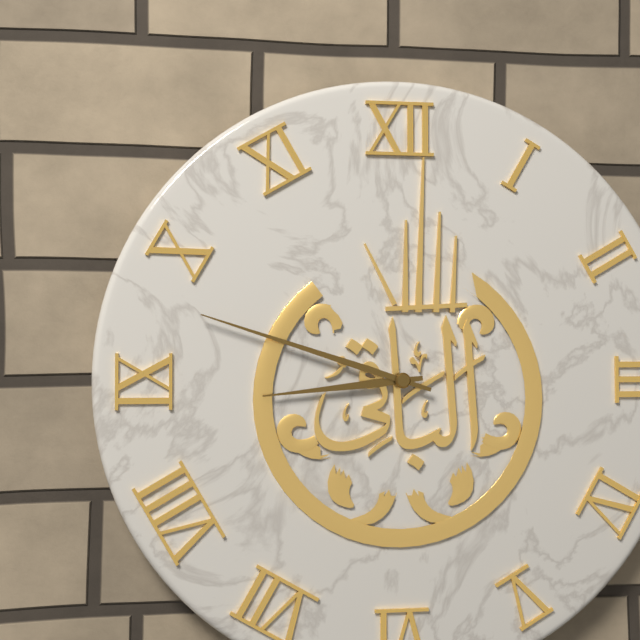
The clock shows 8.48
